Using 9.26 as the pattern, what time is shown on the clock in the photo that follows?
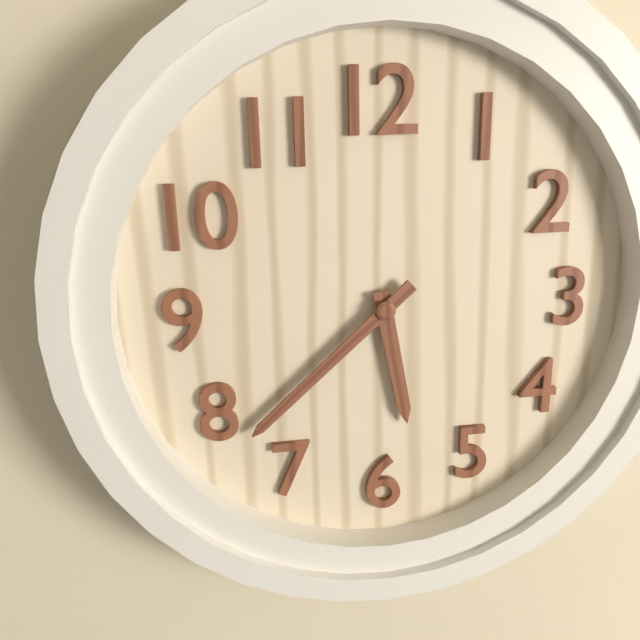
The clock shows 5.38
